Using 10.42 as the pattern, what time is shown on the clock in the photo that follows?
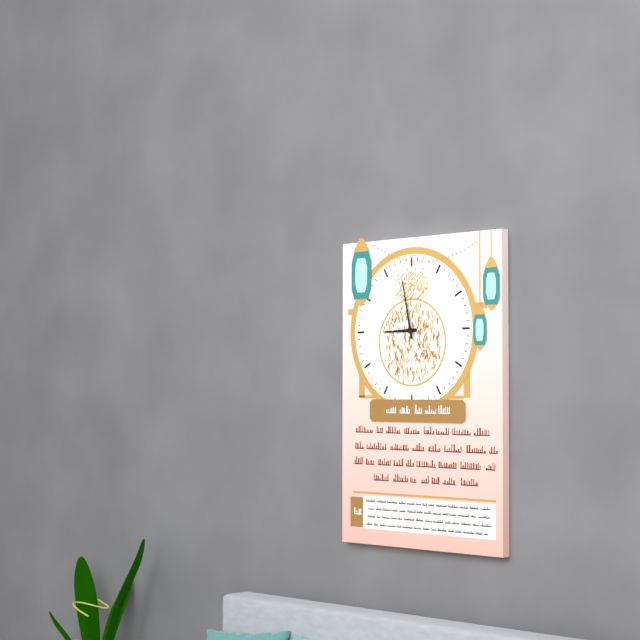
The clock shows 8.58
